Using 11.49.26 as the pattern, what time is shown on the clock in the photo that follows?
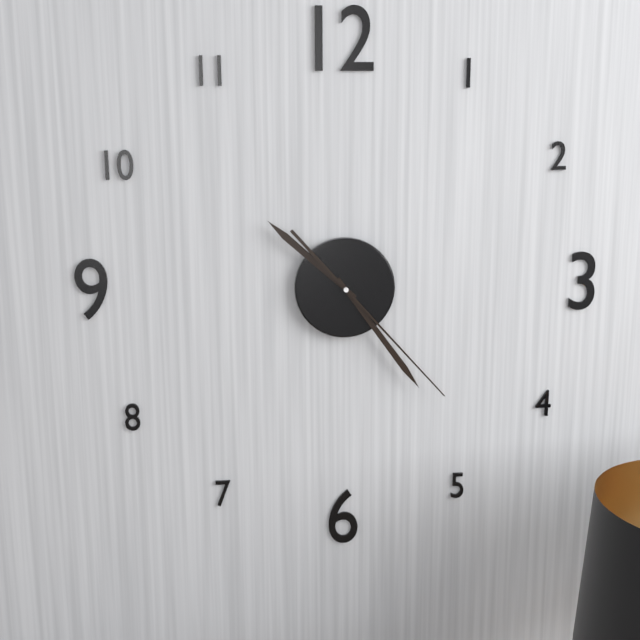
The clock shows 10.24.23
